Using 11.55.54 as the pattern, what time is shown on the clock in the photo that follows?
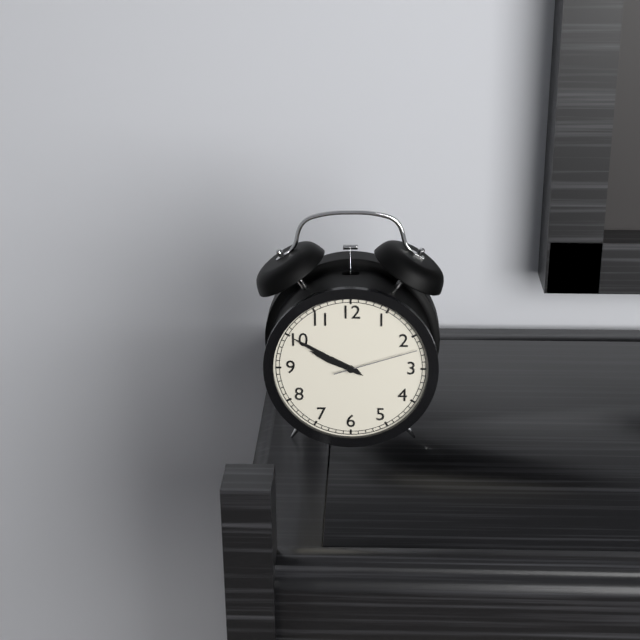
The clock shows 9.50.12
